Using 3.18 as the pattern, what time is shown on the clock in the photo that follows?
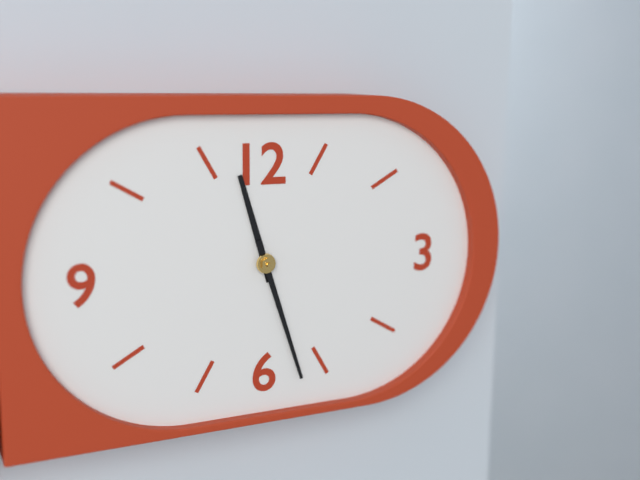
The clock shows 11.27
